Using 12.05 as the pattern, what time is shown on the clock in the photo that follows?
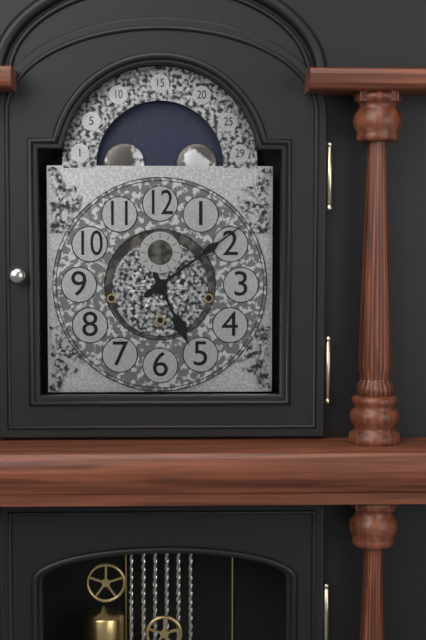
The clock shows 5.09
